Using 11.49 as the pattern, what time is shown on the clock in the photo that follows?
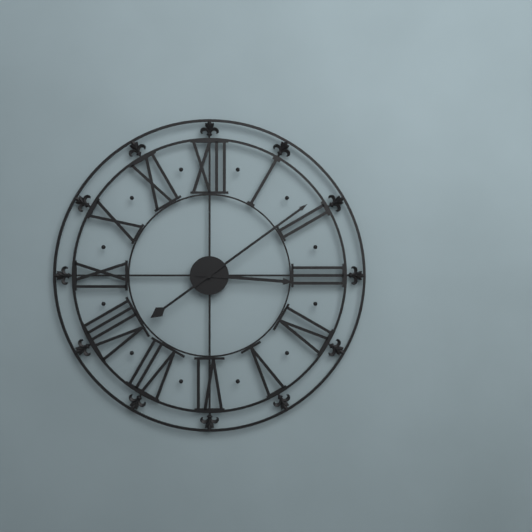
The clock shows 3.09
